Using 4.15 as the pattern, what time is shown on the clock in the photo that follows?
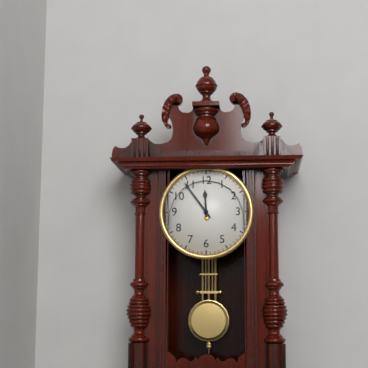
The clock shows 11.54
